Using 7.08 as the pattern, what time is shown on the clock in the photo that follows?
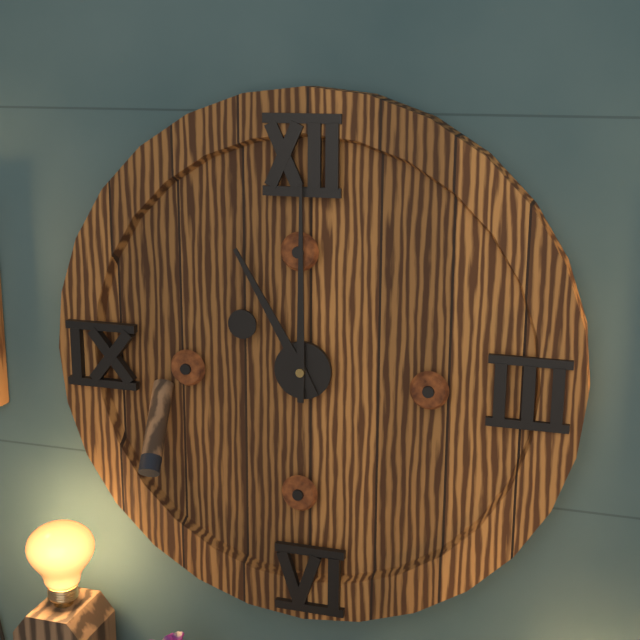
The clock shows 11.00
